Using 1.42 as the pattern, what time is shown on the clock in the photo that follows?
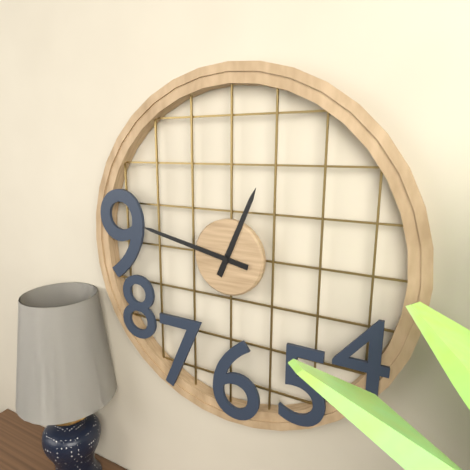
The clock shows 12.47
